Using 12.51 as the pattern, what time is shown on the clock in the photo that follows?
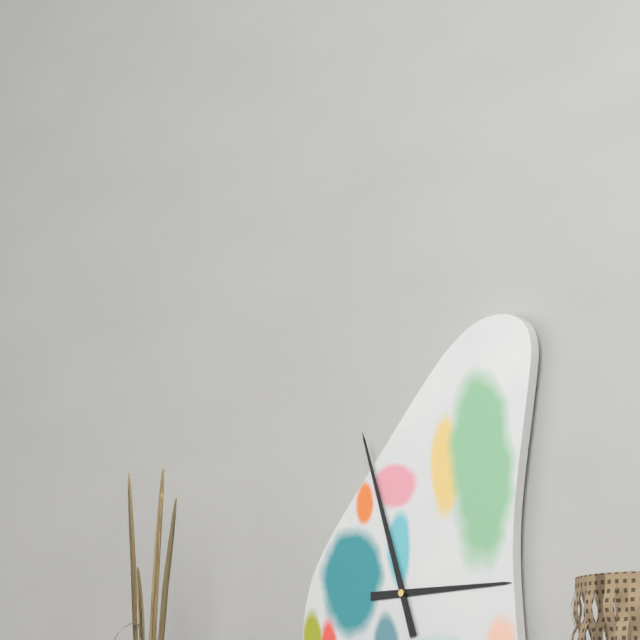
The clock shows 2.57
